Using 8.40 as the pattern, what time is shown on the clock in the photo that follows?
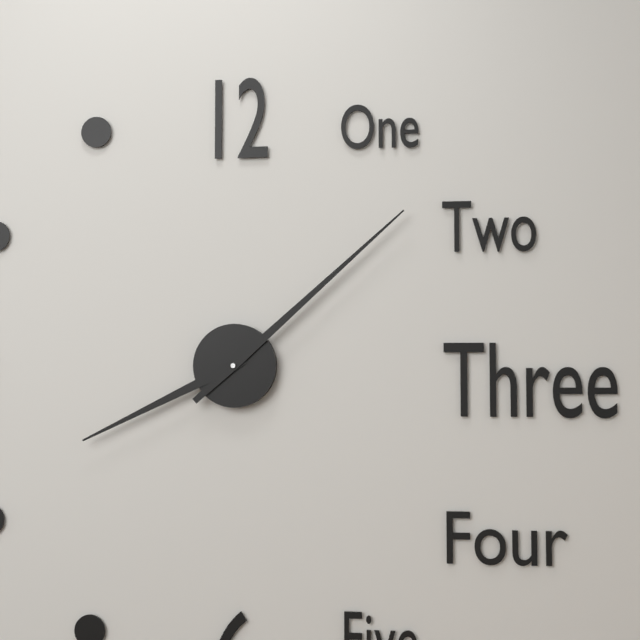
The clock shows 8.08
